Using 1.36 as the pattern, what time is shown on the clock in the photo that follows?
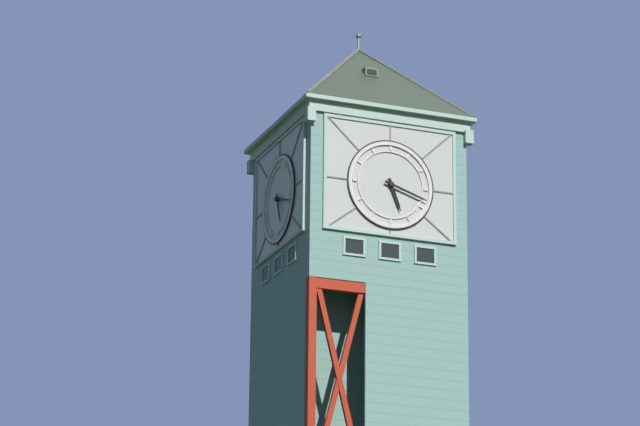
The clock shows 5.18
